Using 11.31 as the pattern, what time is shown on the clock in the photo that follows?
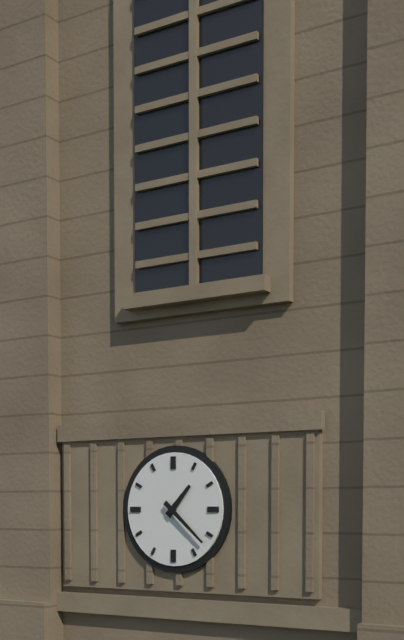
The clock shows 1.22
